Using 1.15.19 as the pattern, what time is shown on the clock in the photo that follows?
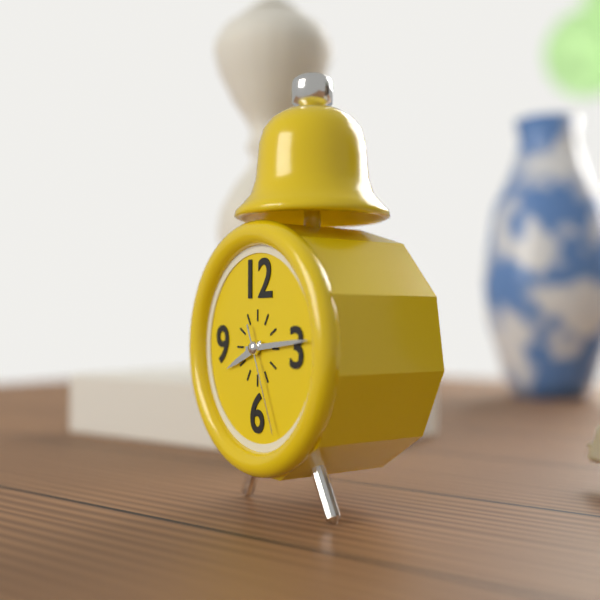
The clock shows 8.14.26
